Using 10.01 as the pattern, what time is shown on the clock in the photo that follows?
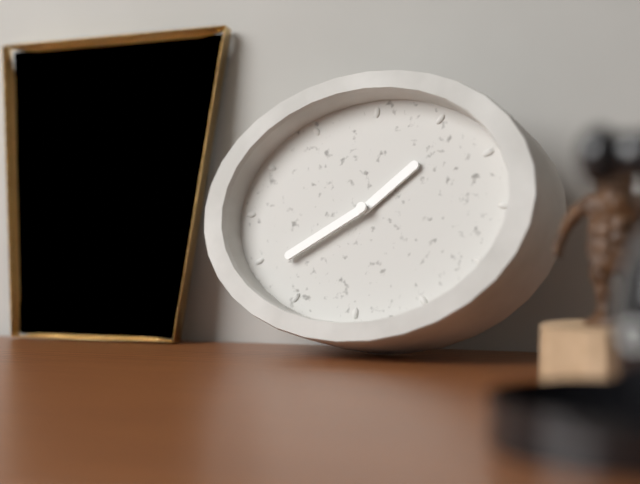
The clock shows 1.40
